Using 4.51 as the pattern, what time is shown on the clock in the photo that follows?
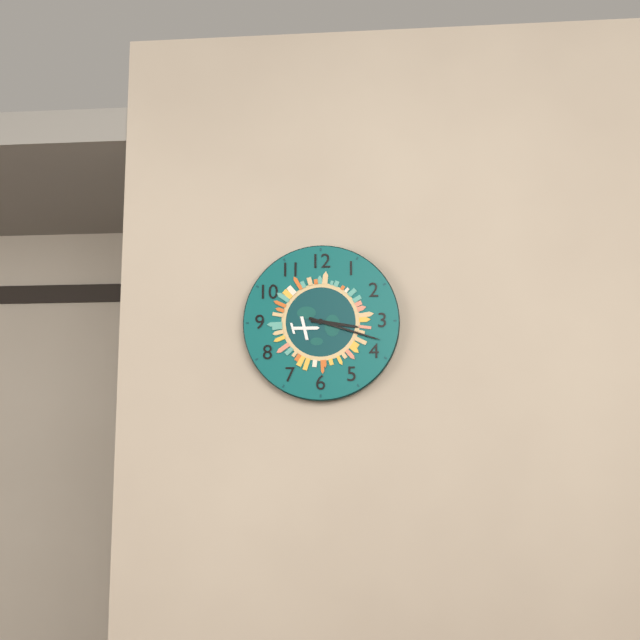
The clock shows 3.18
